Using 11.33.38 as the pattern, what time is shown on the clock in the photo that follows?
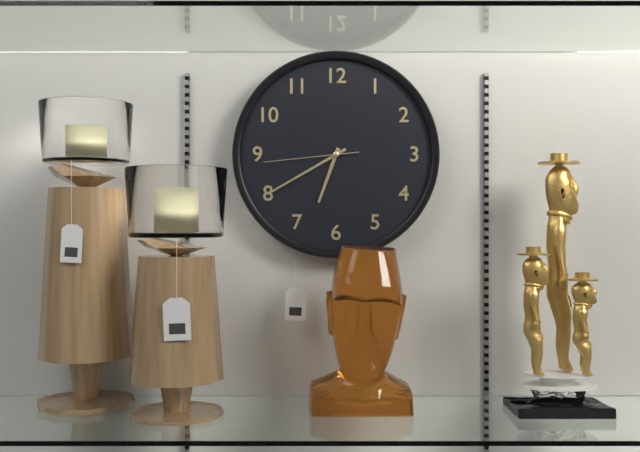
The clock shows 6.40.44
